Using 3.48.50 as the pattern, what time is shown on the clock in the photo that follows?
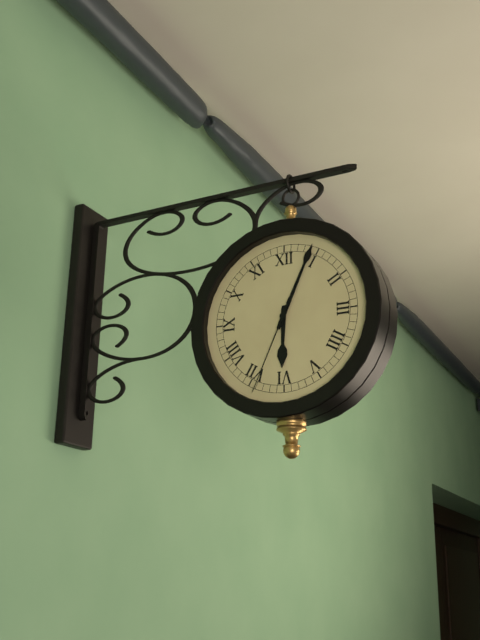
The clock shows 6.04.34
